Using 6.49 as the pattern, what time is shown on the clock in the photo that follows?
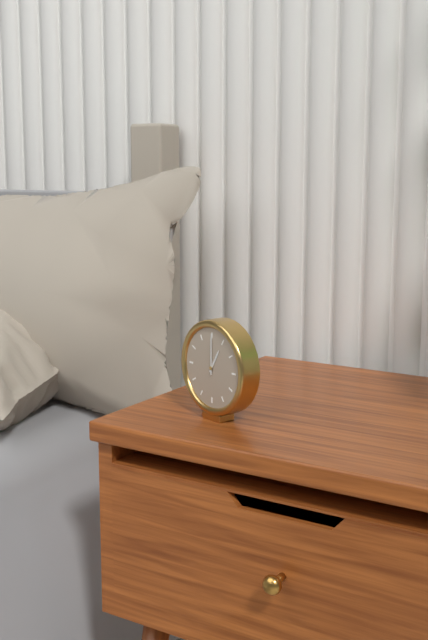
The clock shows 1.00
